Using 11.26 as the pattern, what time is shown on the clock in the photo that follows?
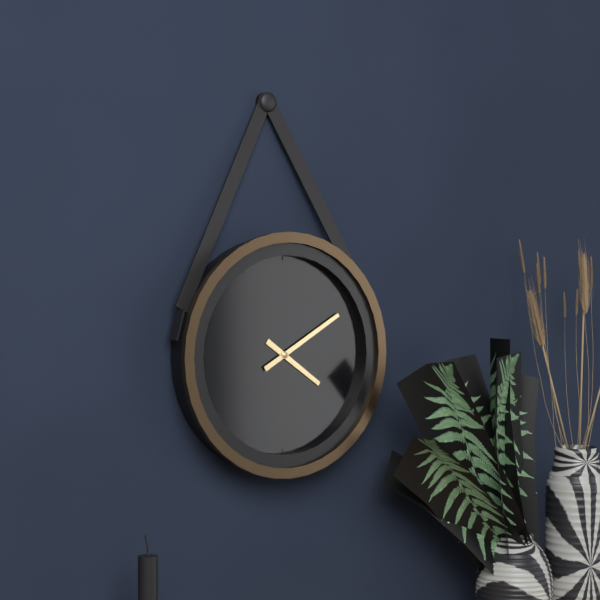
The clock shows 4.10
